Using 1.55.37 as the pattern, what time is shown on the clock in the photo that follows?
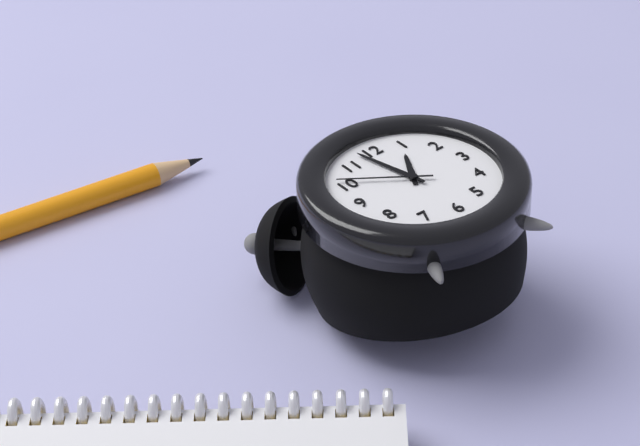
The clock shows 12.58.51
